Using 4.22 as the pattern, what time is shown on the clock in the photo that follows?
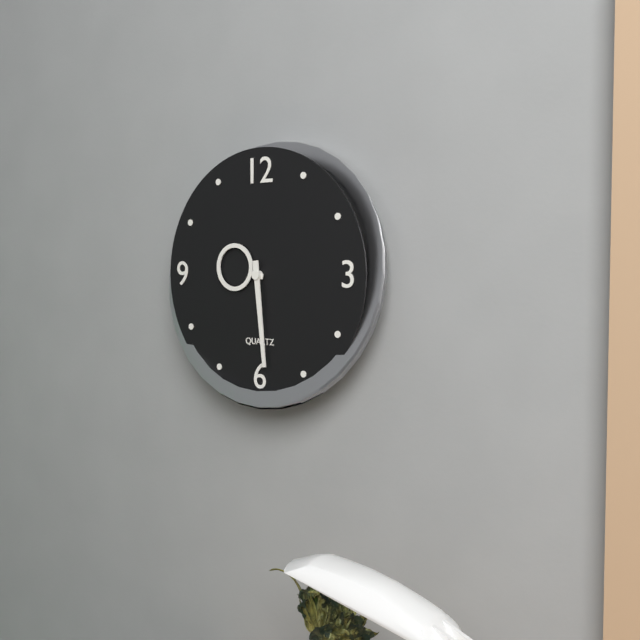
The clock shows 9.29
